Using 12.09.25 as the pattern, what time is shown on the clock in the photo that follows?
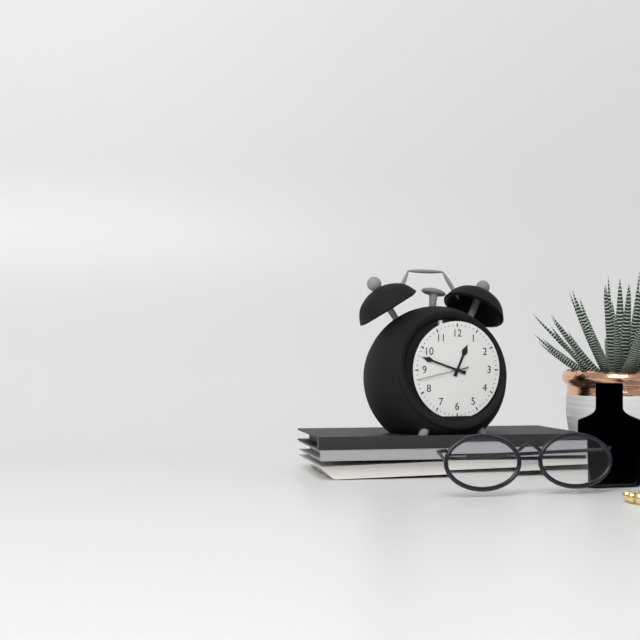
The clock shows 12.48.43
